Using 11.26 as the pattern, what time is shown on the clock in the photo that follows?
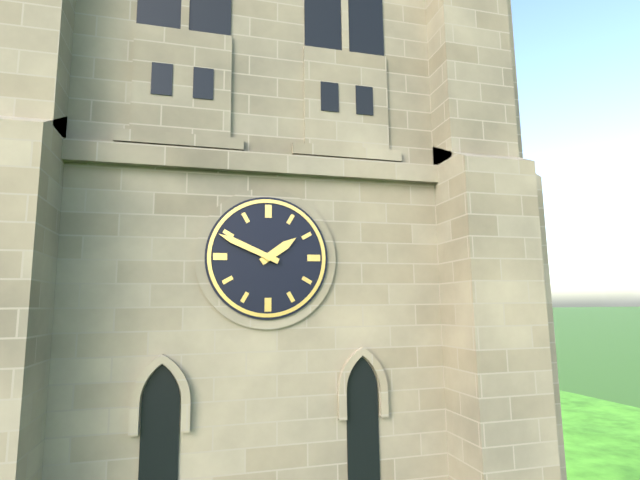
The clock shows 1.49
